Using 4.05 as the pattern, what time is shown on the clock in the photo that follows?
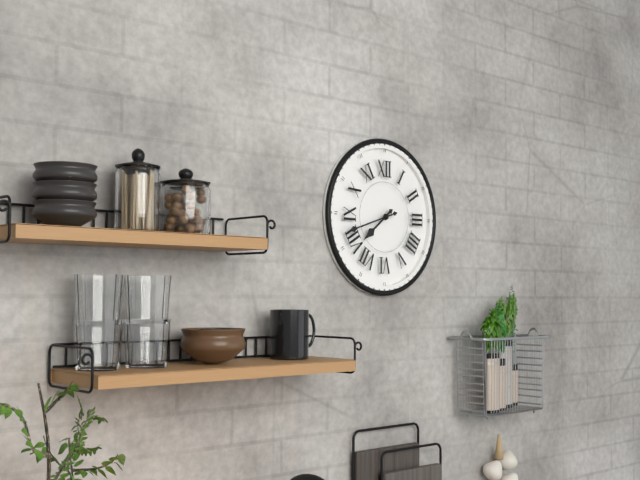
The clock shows 7.42
